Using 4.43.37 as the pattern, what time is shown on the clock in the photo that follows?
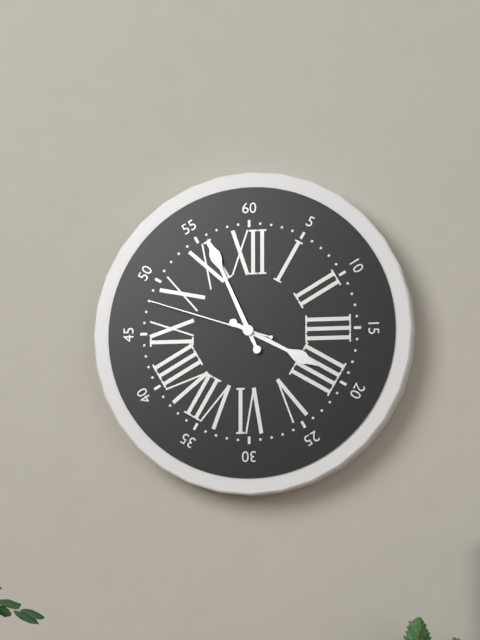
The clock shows 3.56.48
